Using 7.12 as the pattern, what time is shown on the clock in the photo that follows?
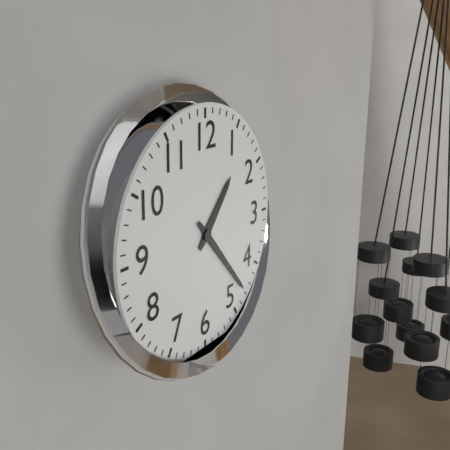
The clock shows 1.23
